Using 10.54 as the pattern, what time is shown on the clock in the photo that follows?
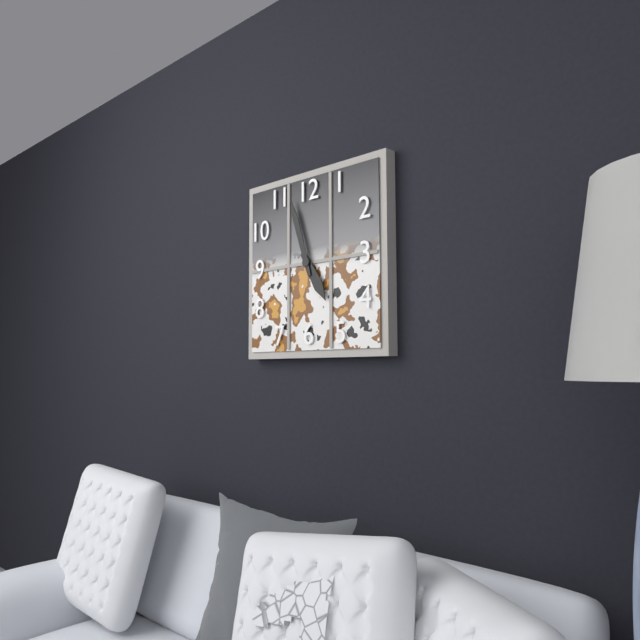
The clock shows 4.57
